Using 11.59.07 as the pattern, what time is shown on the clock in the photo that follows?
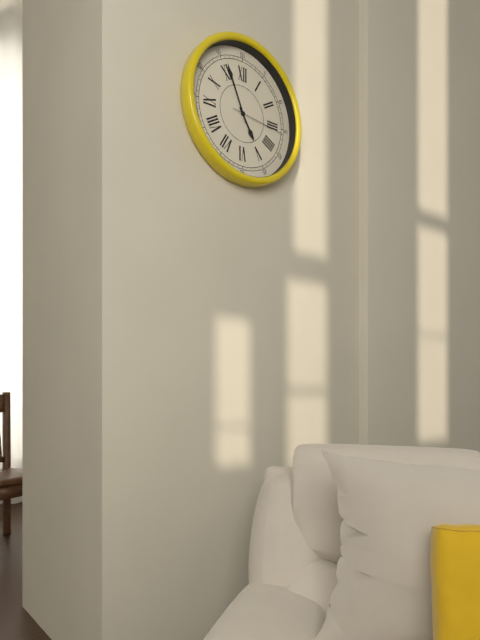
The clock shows 4.56.16
